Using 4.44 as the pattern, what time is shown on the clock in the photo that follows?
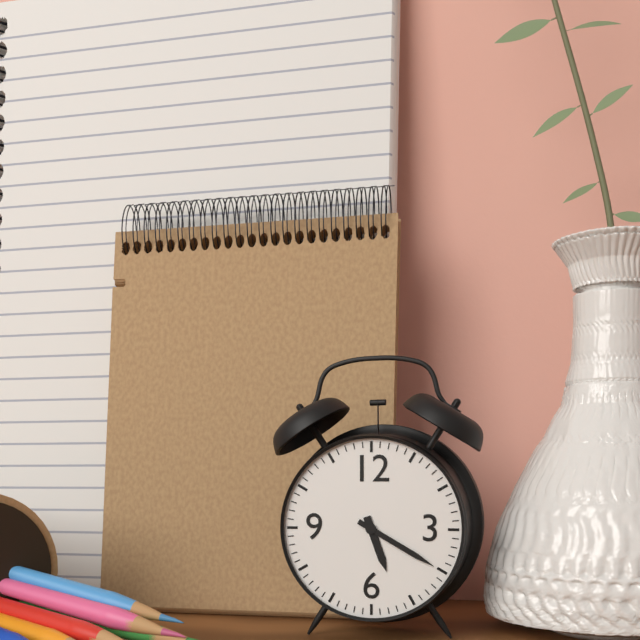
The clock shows 5.20
